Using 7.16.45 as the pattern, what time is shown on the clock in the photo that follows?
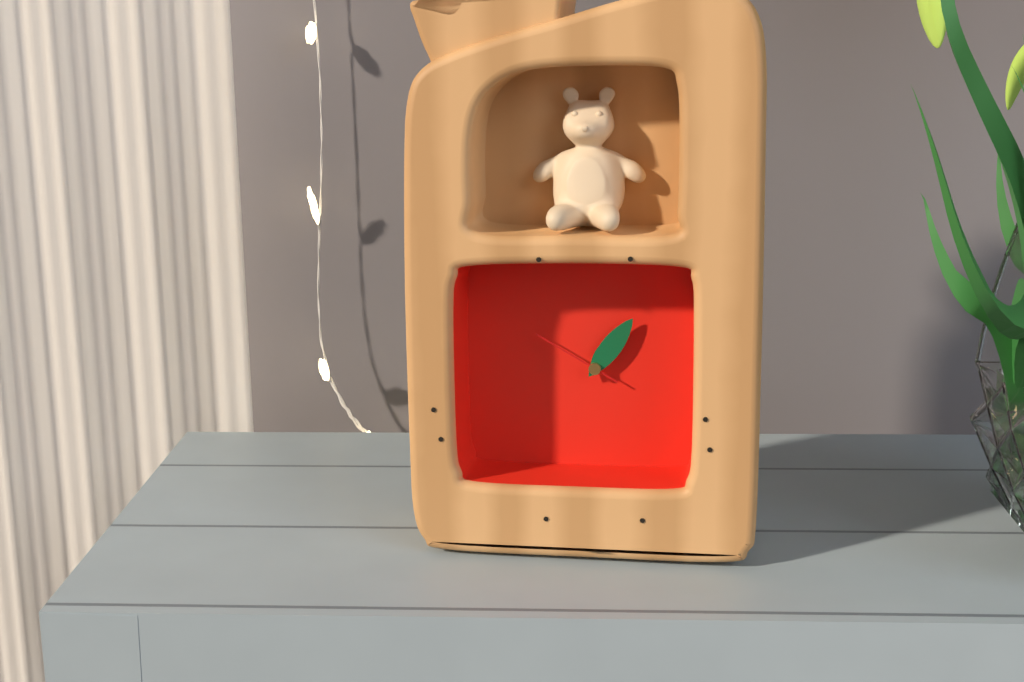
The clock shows 1.06.50
